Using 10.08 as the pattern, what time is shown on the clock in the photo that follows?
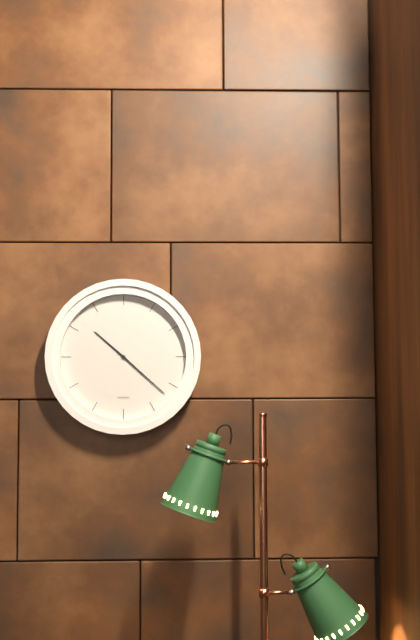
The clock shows 10.22
